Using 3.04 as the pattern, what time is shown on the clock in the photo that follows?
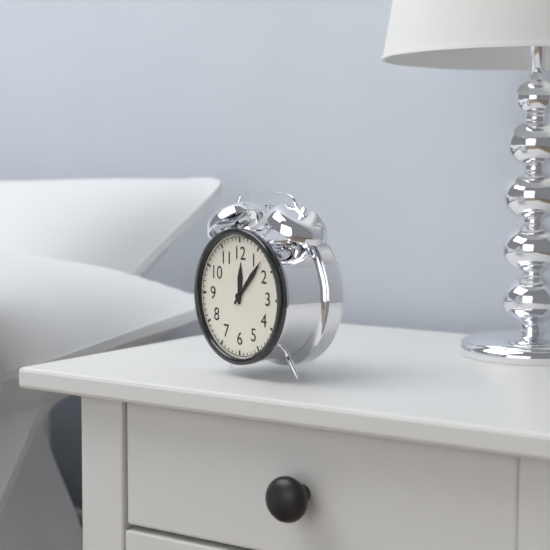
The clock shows 12.07
